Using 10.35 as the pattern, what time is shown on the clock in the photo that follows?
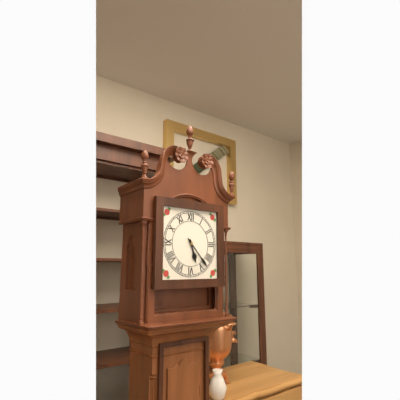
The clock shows 5.23
